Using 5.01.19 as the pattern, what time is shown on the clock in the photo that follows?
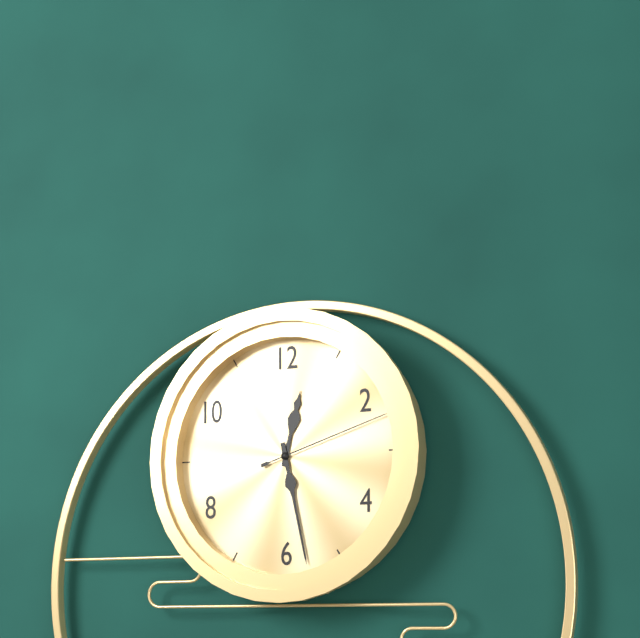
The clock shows 12.28.12
